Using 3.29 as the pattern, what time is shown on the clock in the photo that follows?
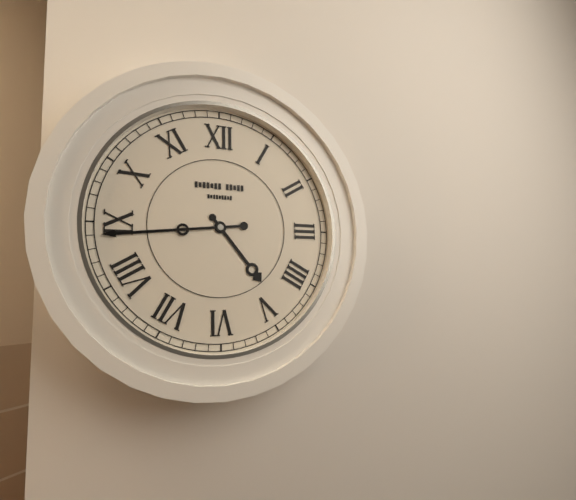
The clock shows 4.44
